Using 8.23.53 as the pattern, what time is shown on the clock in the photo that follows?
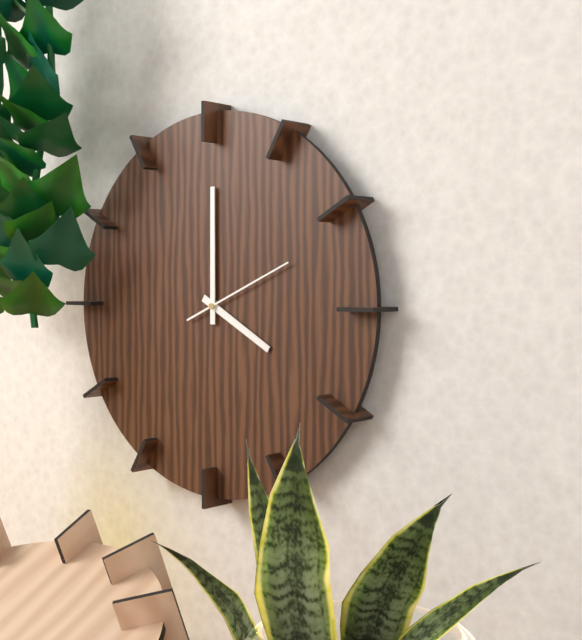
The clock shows 4.00.11
